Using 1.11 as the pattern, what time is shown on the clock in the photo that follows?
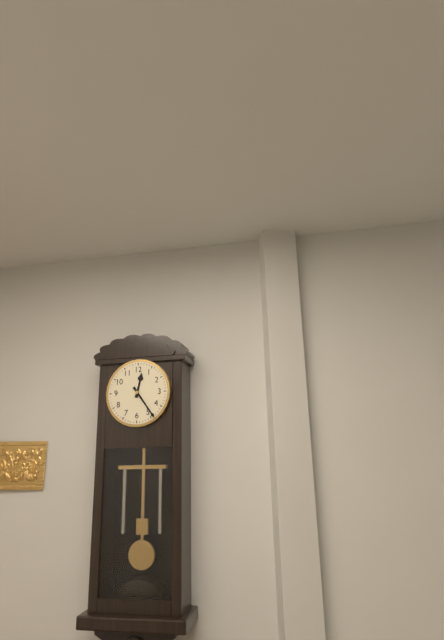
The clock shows 12.24
